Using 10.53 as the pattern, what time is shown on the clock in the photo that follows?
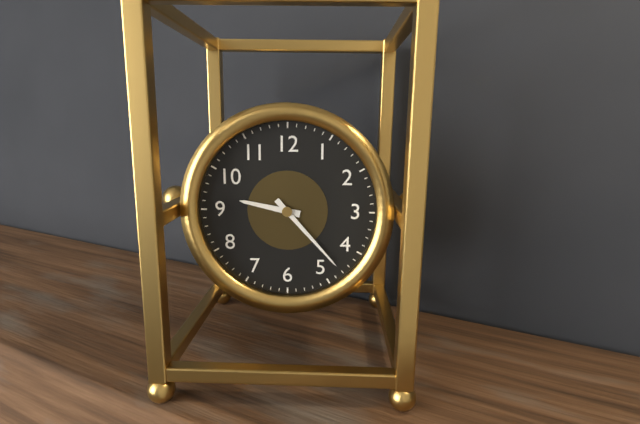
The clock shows 9.23
